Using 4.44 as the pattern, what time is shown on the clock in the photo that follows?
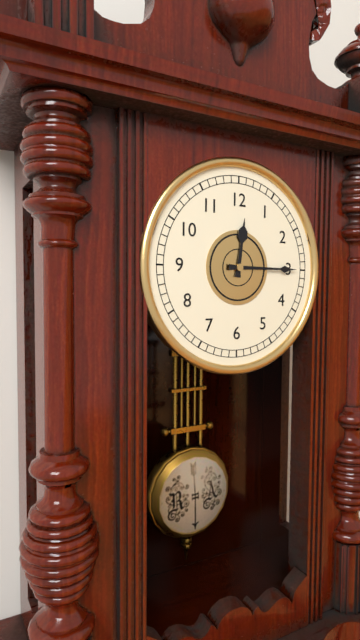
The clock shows 12.15
